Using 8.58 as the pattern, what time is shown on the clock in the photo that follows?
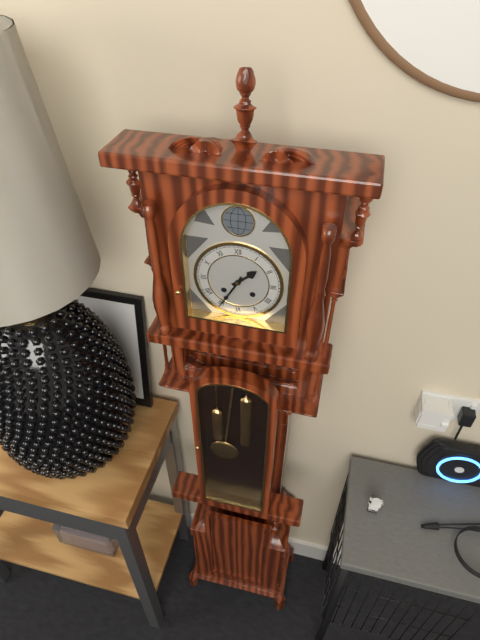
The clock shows 1.35
